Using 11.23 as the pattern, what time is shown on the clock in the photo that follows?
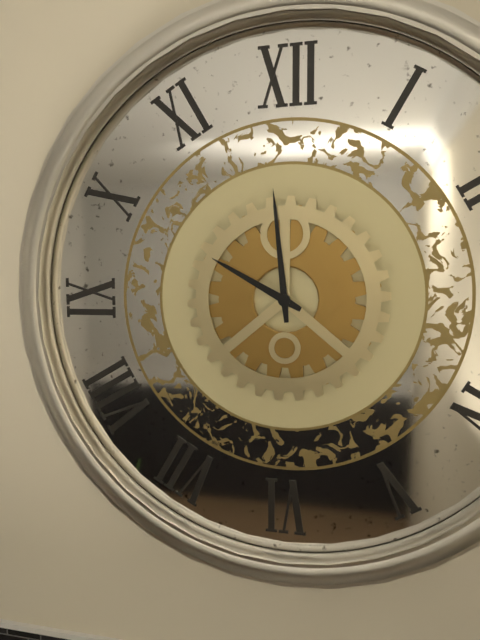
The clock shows 9.59
